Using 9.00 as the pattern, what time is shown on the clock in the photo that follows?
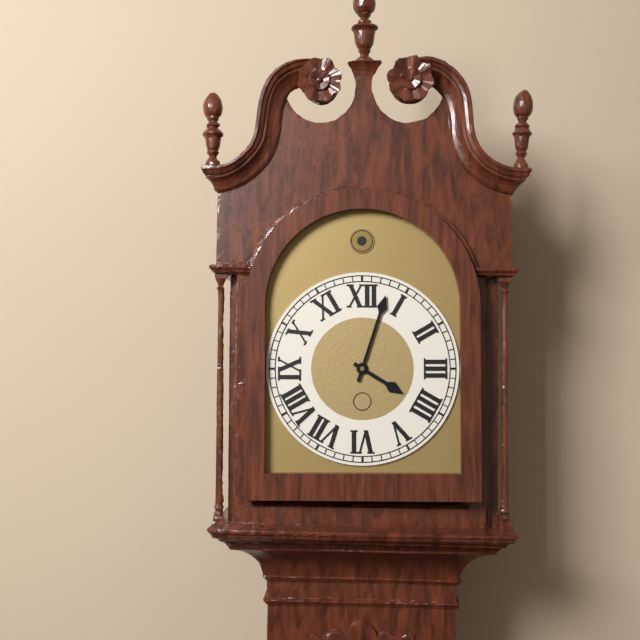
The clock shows 4.03
